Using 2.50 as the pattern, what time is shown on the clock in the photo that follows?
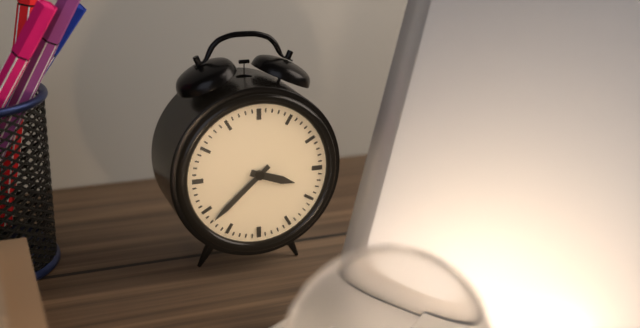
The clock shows 3.38
